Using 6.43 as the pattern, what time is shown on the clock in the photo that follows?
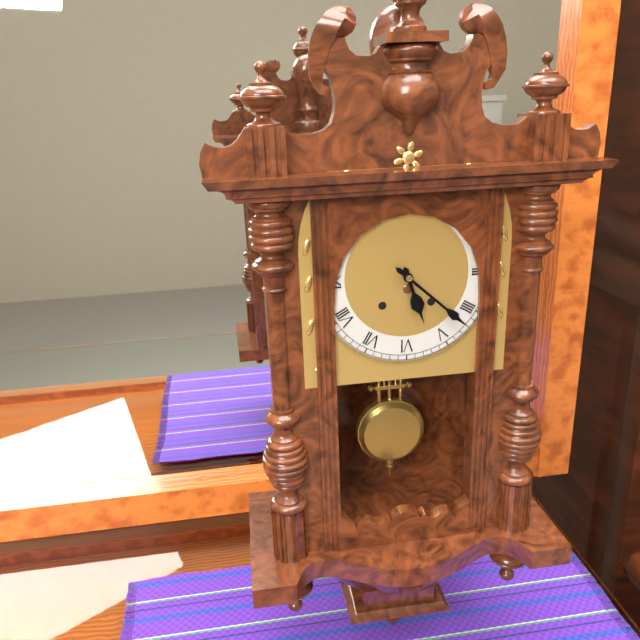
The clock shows 5.22
